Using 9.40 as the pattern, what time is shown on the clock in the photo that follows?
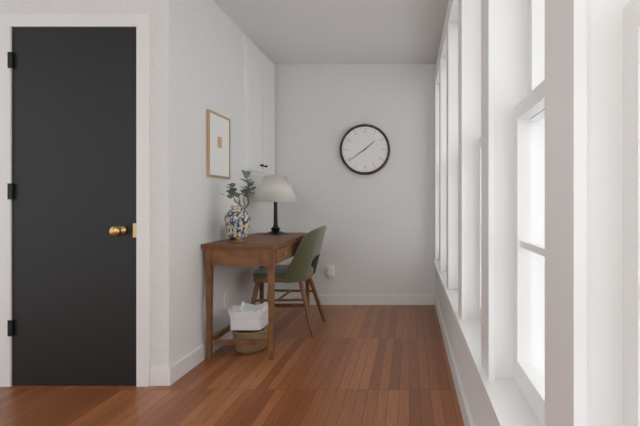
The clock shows 1.39
